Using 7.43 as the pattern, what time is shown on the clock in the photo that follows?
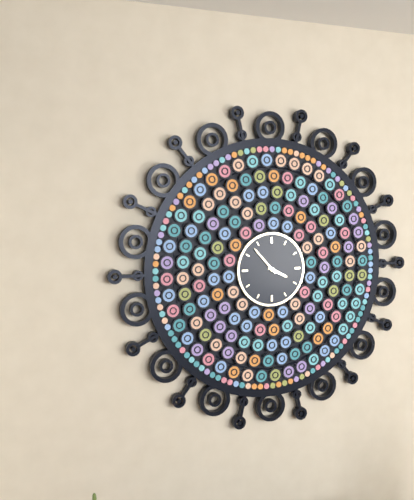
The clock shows 3.53
